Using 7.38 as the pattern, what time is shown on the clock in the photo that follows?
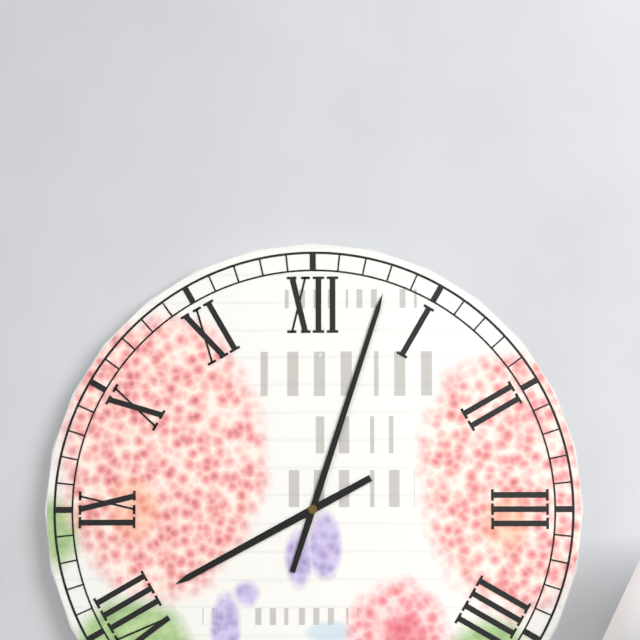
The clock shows 8.03
